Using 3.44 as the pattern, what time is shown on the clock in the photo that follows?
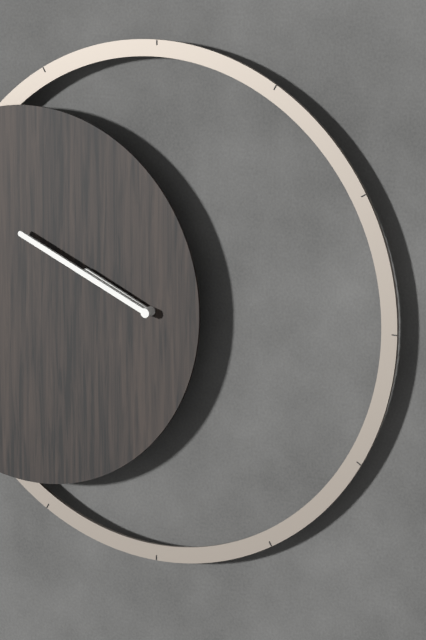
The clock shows 9.49
